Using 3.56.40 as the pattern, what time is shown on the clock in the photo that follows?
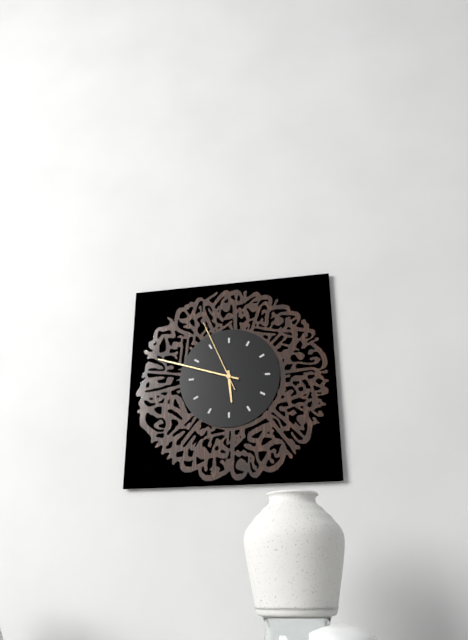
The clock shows 5.48.56
